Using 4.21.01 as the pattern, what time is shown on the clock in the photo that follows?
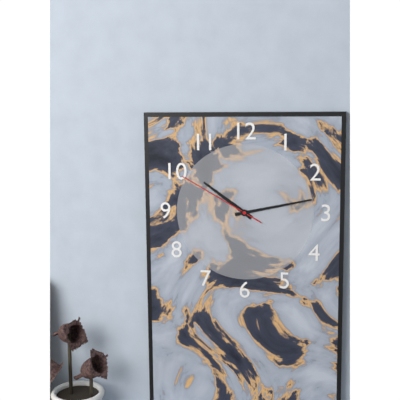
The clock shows 10.13.50
